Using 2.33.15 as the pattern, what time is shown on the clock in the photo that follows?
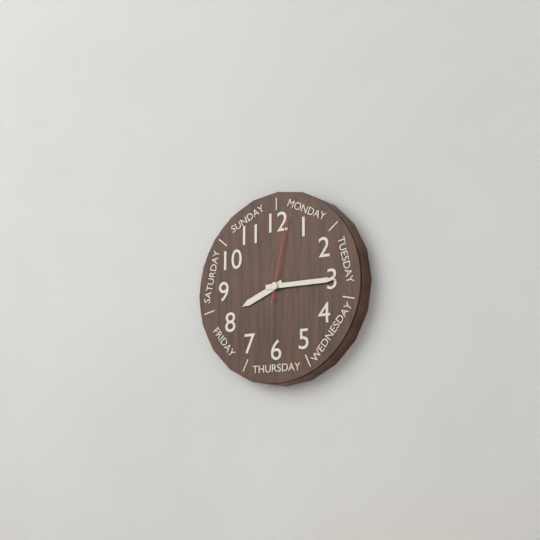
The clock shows 8.15.02
